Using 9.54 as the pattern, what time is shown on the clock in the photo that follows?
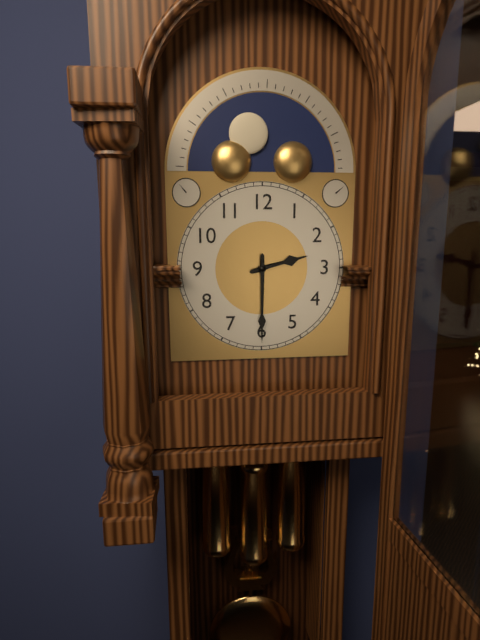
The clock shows 2.30
